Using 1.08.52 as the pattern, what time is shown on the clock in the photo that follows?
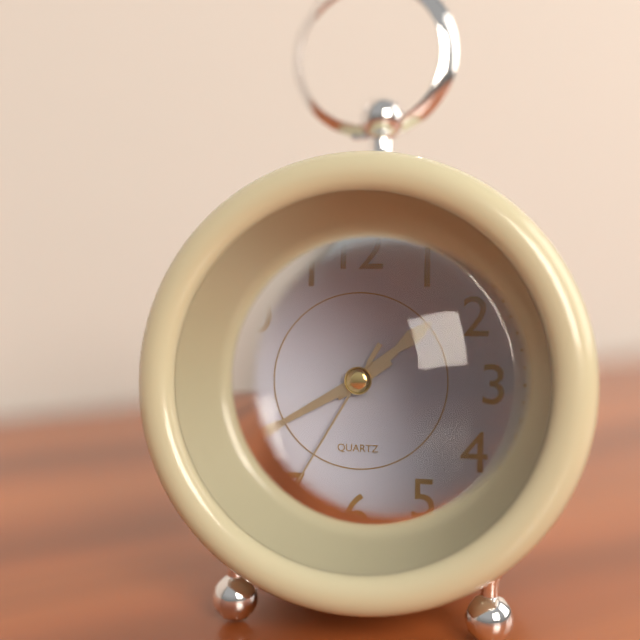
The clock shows 1.40.35
